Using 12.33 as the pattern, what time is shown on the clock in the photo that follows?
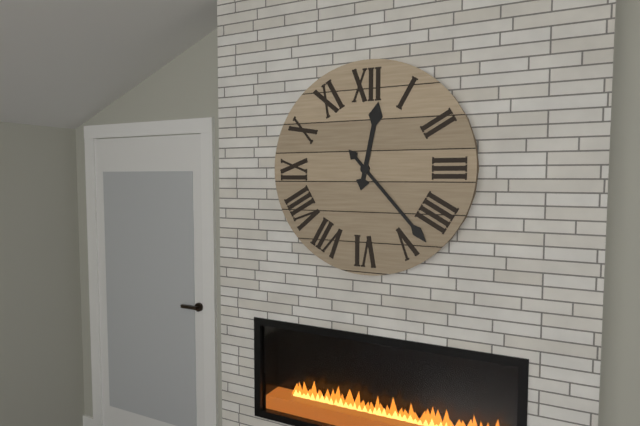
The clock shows 12.23
